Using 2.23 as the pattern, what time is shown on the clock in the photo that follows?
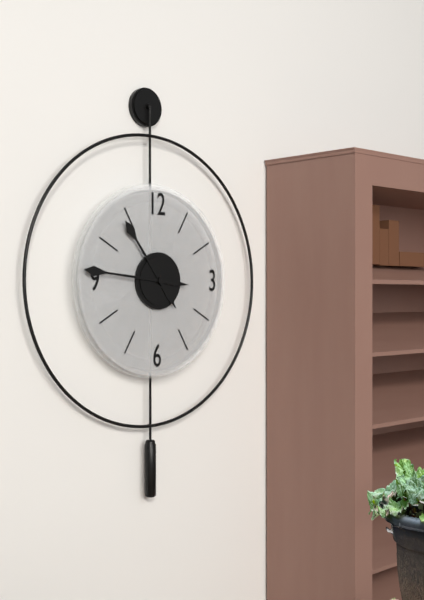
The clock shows 10.46
